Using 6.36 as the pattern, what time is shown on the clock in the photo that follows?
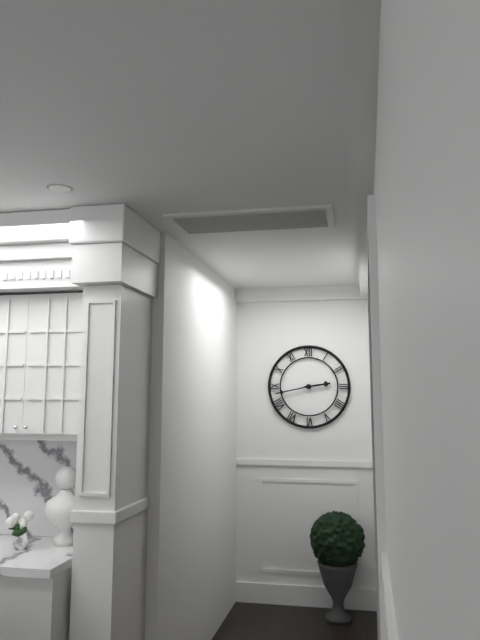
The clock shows 2.43
